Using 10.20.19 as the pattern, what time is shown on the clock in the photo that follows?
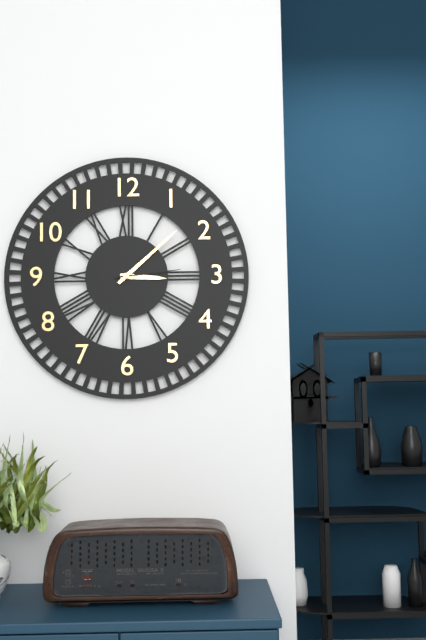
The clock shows 3.08.14
